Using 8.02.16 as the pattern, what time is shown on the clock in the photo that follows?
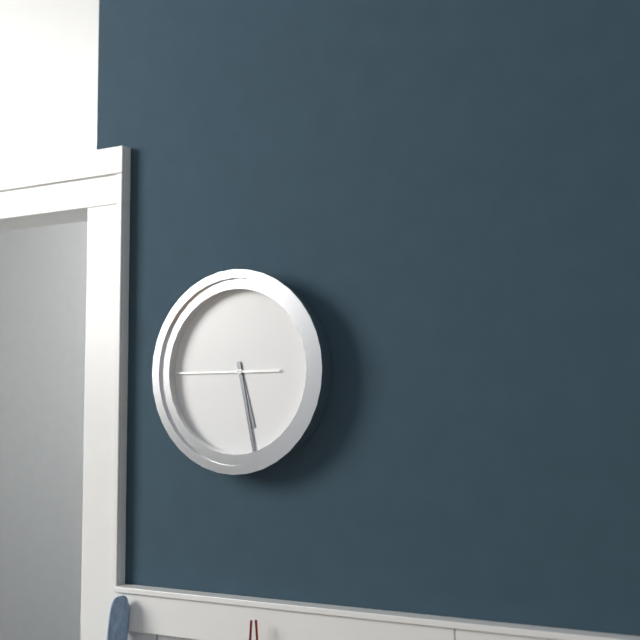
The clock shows 5.28.45
